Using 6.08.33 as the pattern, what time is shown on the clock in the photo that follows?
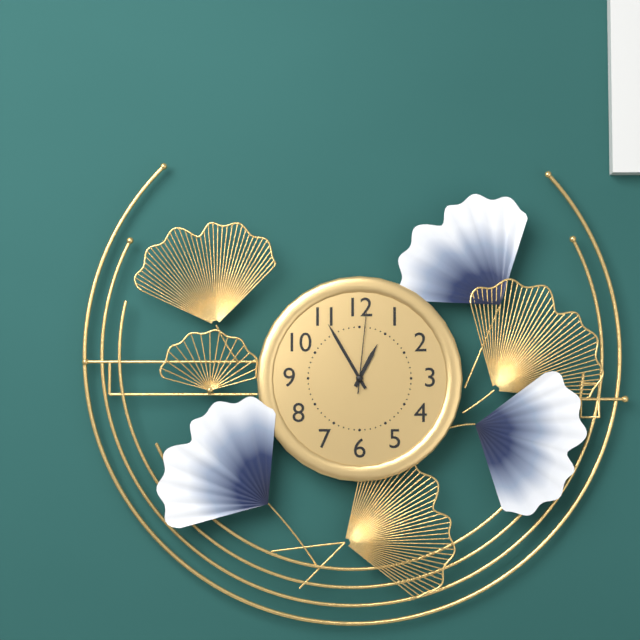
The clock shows 12.55.01
